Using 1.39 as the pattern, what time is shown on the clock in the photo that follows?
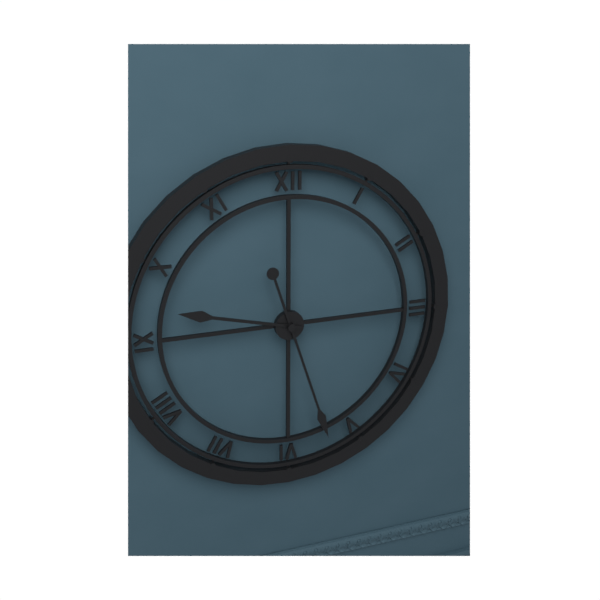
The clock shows 9.27
